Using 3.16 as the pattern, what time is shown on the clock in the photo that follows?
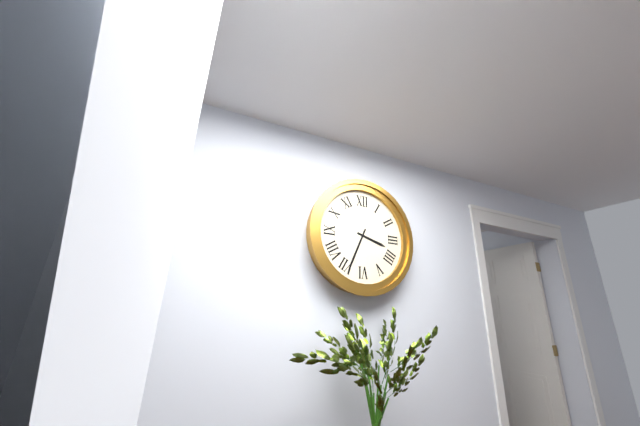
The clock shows 3.34
